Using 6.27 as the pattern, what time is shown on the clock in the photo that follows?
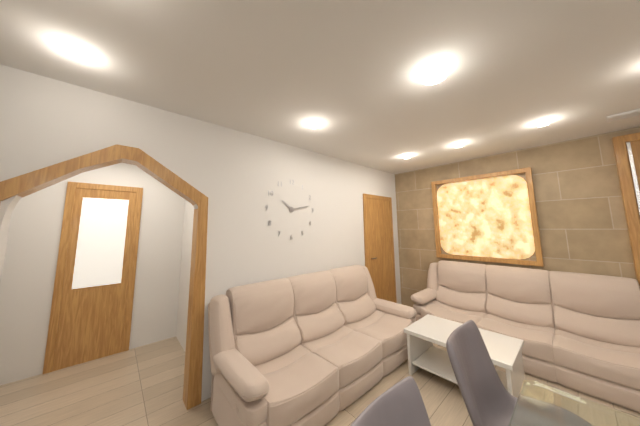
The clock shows 10.13
